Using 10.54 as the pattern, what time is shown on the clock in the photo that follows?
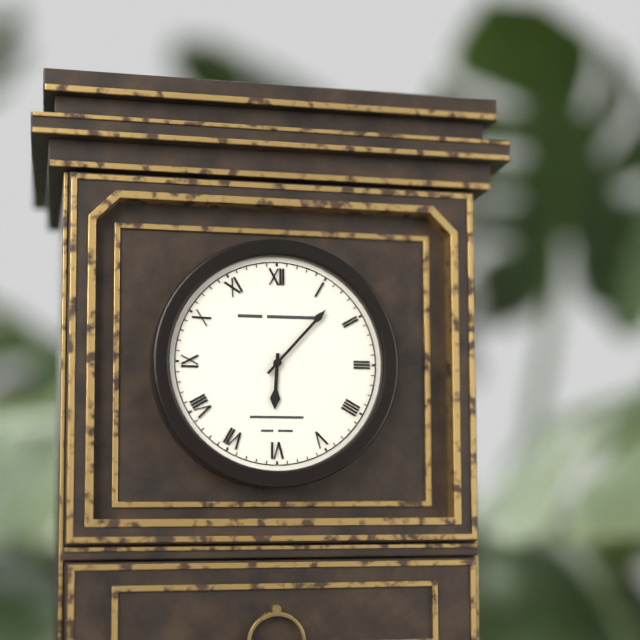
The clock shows 6.07
